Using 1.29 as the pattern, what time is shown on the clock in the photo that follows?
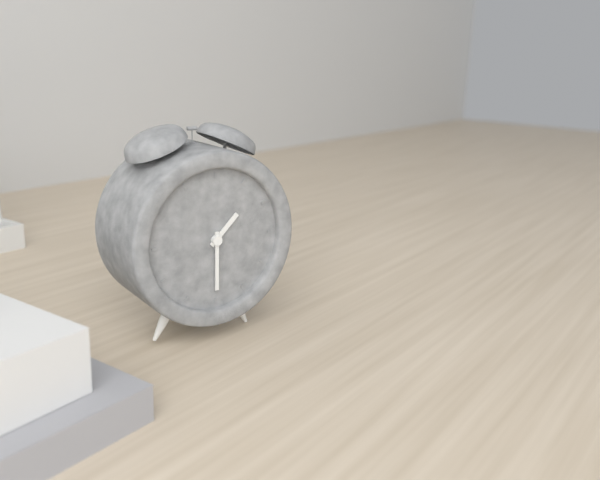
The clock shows 1.30
